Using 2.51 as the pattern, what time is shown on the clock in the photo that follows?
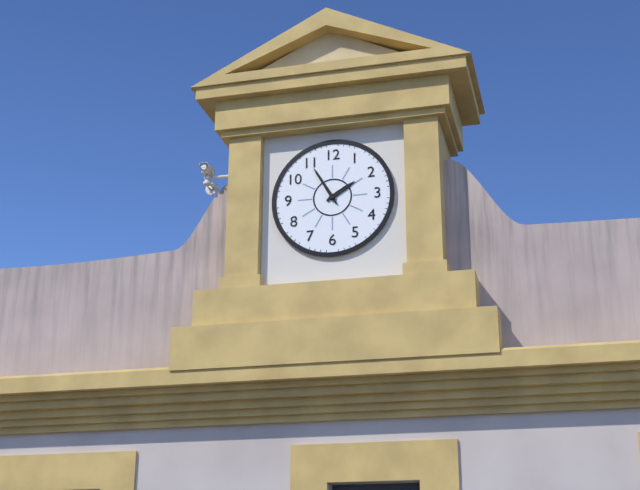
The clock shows 1.55
